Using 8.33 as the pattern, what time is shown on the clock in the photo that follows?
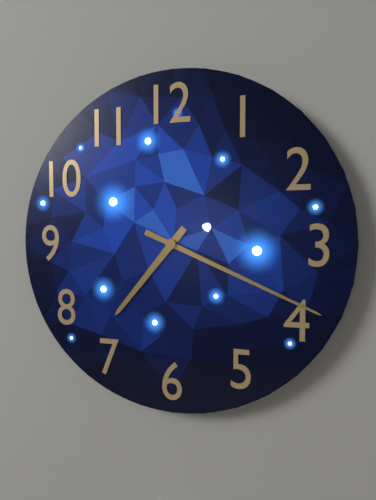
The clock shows 7.19
